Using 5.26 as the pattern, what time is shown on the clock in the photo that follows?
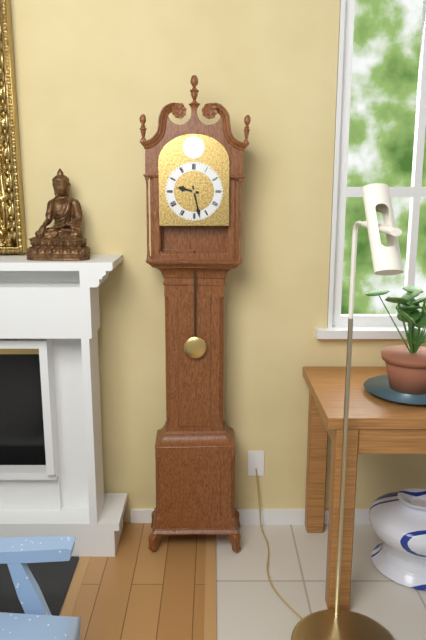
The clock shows 9.28
